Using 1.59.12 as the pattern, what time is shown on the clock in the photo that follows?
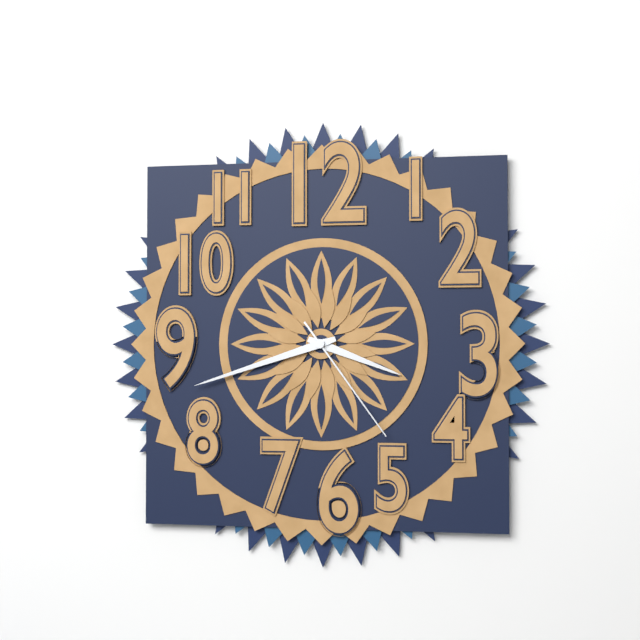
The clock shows 3.42.24
